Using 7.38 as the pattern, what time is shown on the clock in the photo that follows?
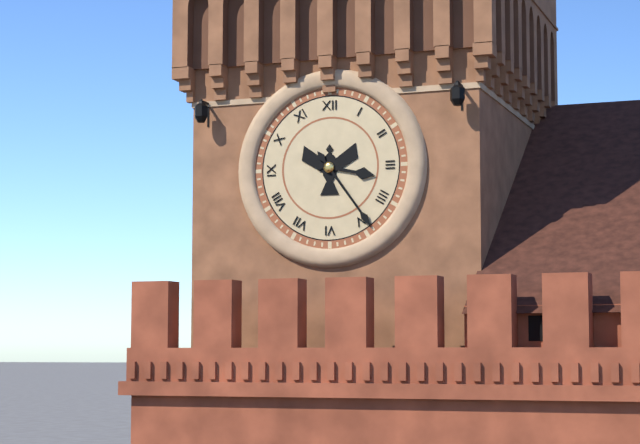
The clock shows 3.24
